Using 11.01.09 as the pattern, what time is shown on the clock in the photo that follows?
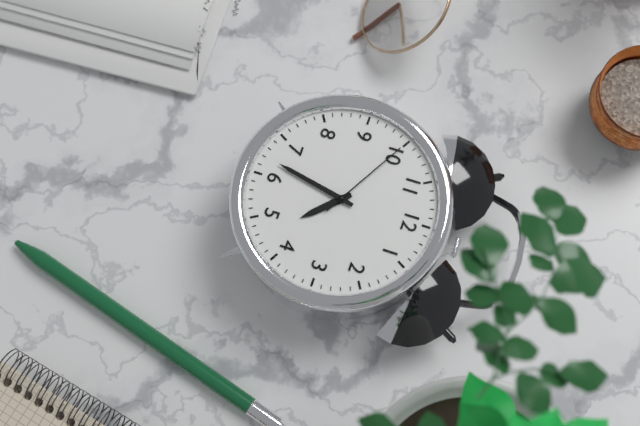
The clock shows 4.32.50
